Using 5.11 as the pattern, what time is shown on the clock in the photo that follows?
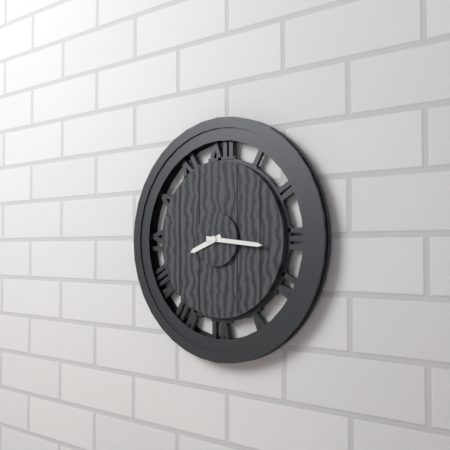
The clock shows 8.16
